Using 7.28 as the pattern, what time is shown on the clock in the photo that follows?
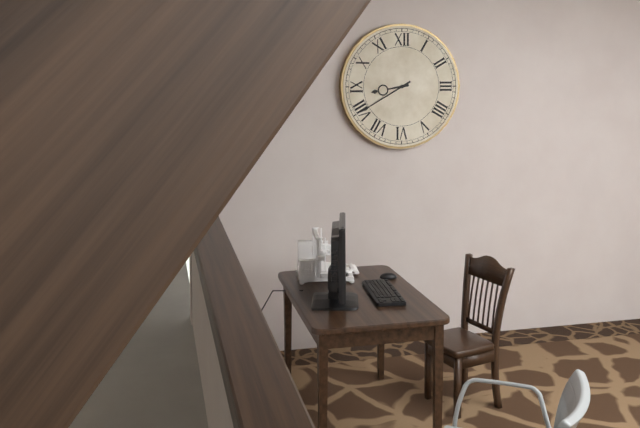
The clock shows 8.40
